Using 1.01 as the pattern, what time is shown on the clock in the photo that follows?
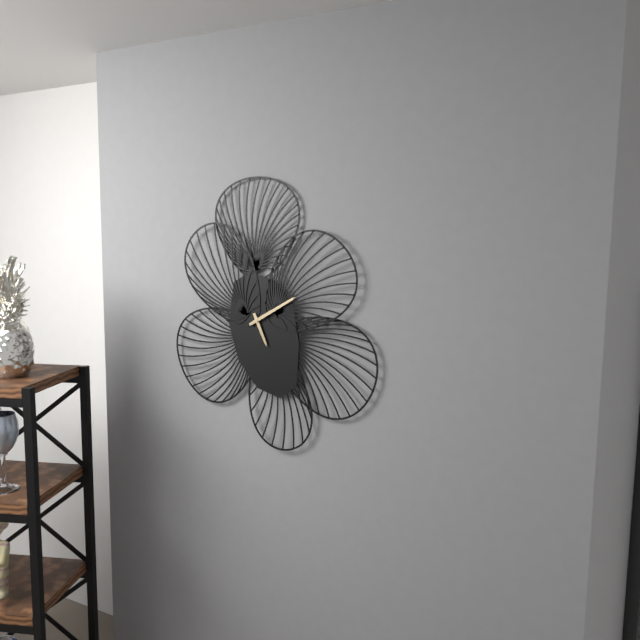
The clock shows 5.10
